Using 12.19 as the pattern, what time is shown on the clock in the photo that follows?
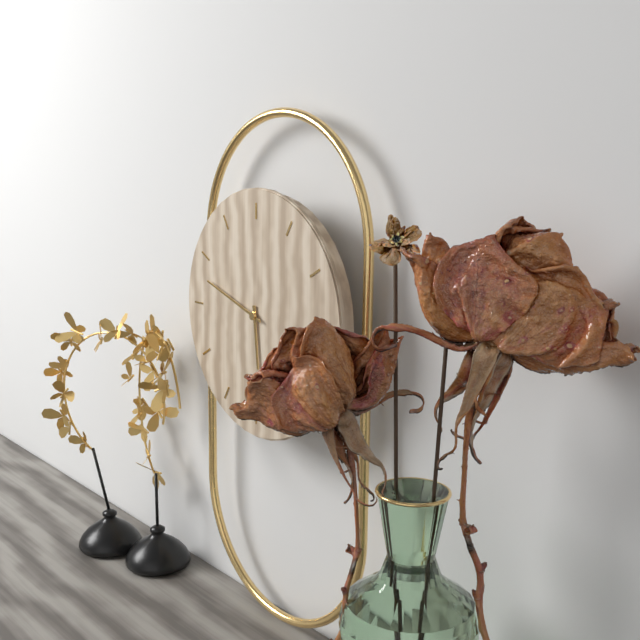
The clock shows 5.48
